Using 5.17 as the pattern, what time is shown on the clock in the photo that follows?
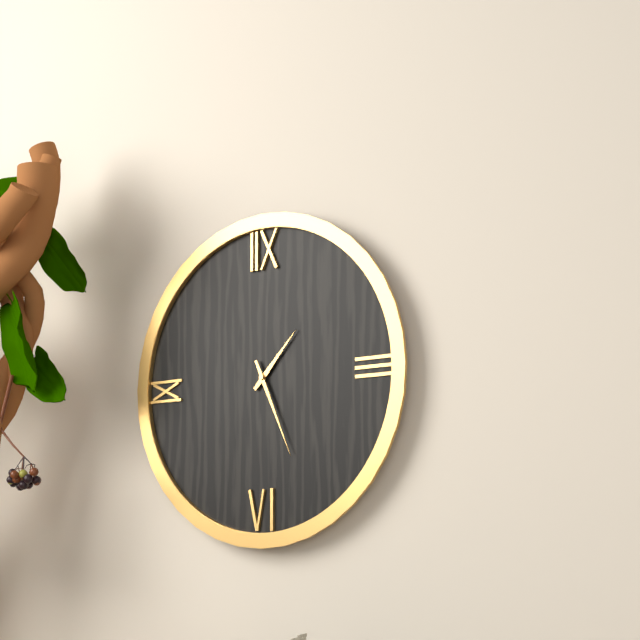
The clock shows 1.26
